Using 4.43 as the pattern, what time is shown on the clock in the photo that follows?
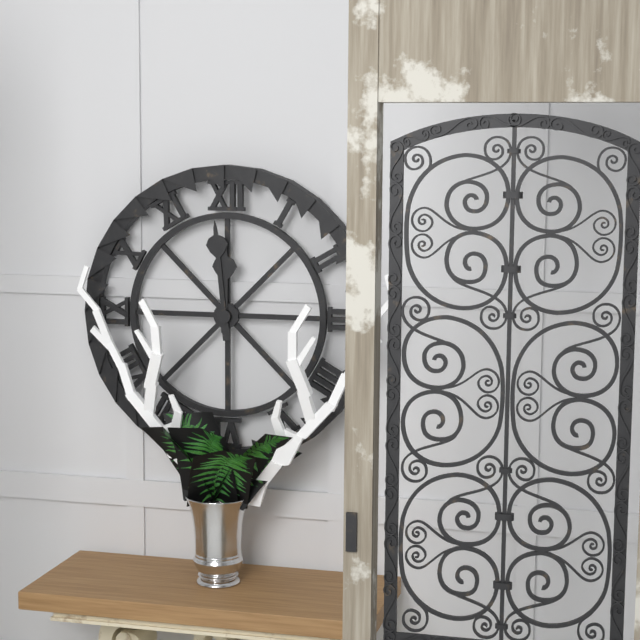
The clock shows 11.59
